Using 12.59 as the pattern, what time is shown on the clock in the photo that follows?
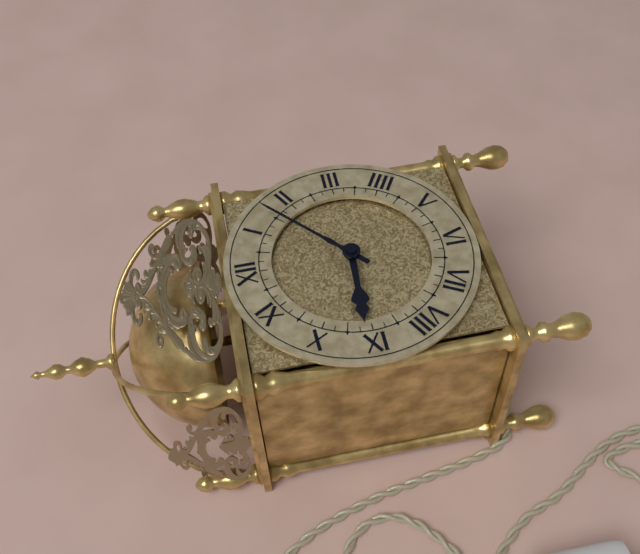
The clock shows 9.08
